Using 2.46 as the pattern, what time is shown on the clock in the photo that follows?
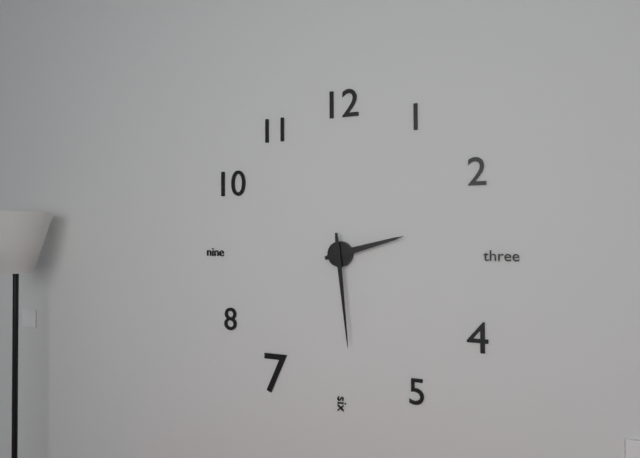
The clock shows 2.29
